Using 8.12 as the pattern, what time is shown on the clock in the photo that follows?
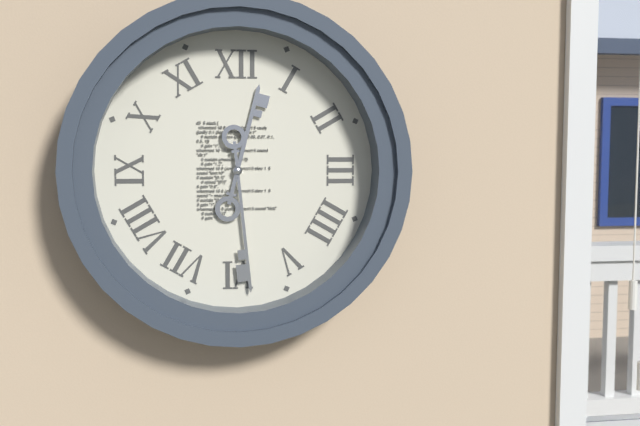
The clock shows 12.29
